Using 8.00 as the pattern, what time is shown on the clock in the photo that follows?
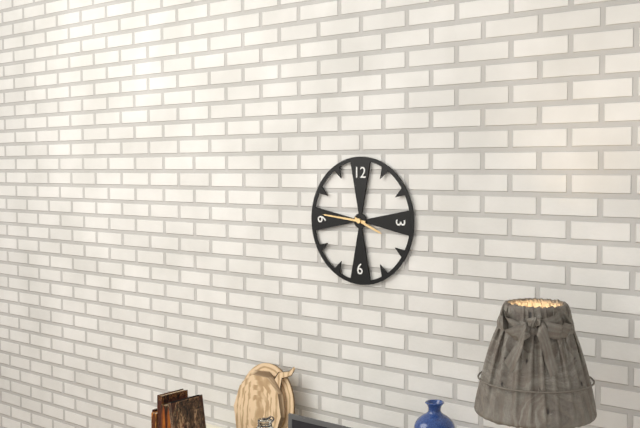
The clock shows 3.46
